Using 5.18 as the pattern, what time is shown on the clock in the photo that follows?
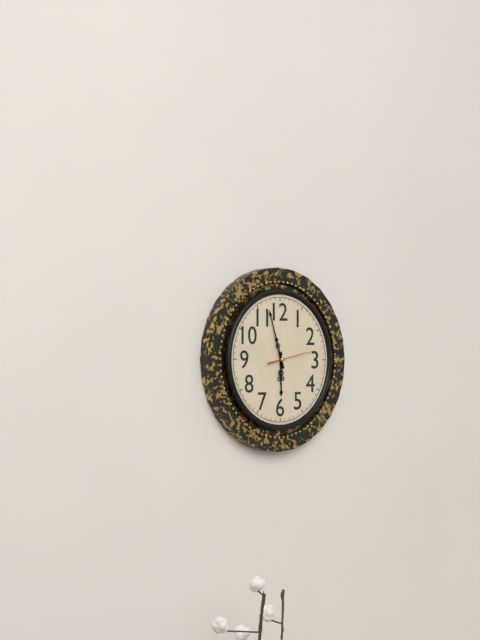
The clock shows 5.57
